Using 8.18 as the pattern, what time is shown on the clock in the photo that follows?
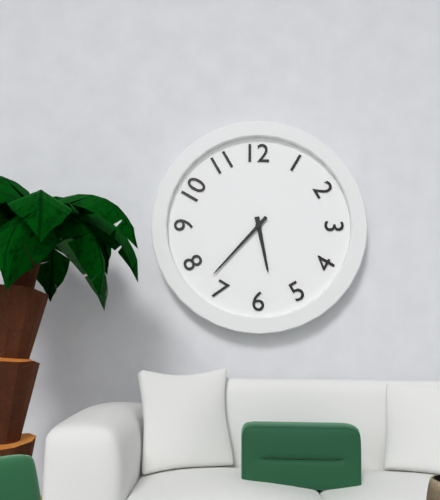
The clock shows 5.37
